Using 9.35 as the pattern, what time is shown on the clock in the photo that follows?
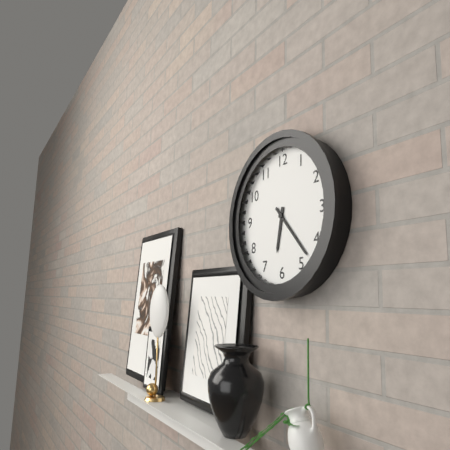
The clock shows 6.23
